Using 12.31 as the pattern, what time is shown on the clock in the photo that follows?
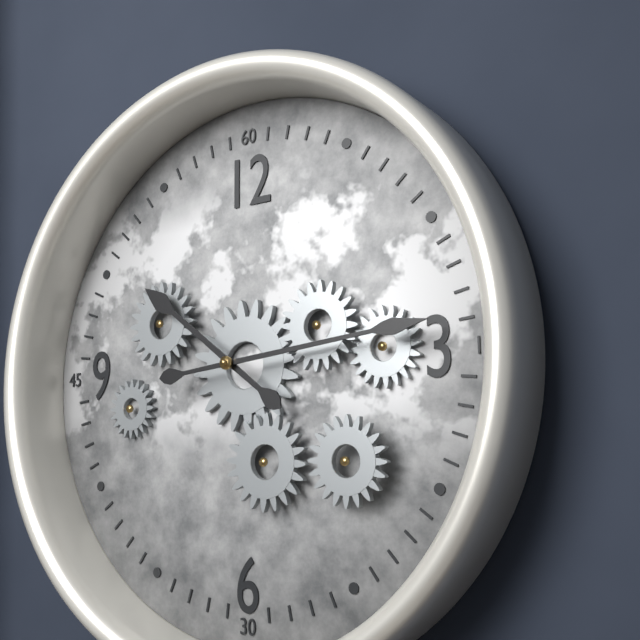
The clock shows 10.14
